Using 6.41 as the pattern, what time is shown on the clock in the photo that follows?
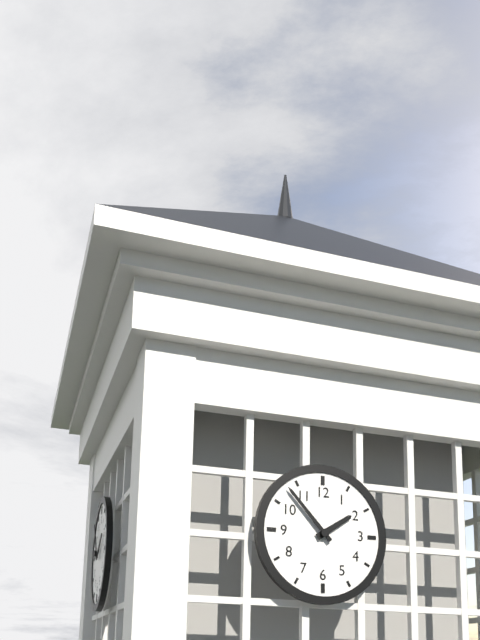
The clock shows 1.53
